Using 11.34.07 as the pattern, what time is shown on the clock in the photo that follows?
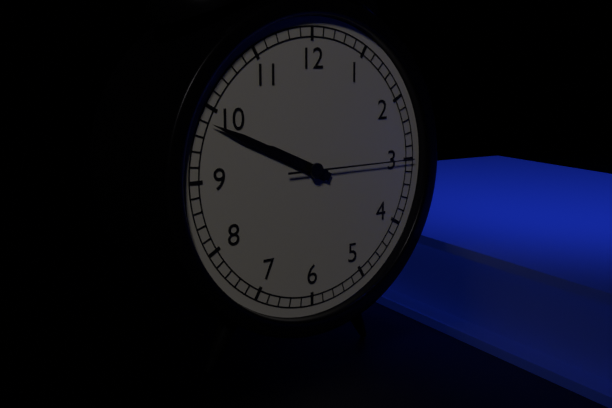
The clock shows 9.49.15
